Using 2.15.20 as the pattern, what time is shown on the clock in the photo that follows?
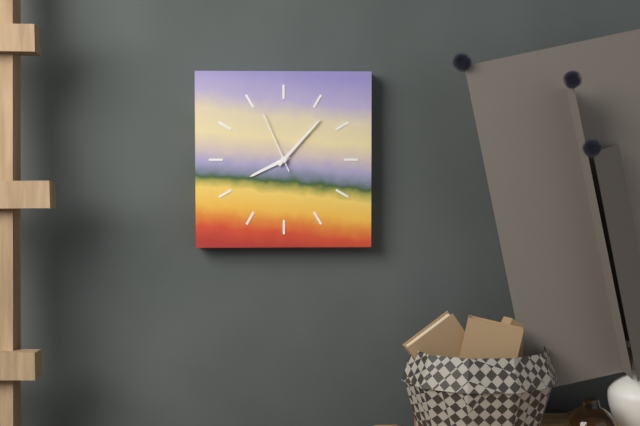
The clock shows 8.07.56
